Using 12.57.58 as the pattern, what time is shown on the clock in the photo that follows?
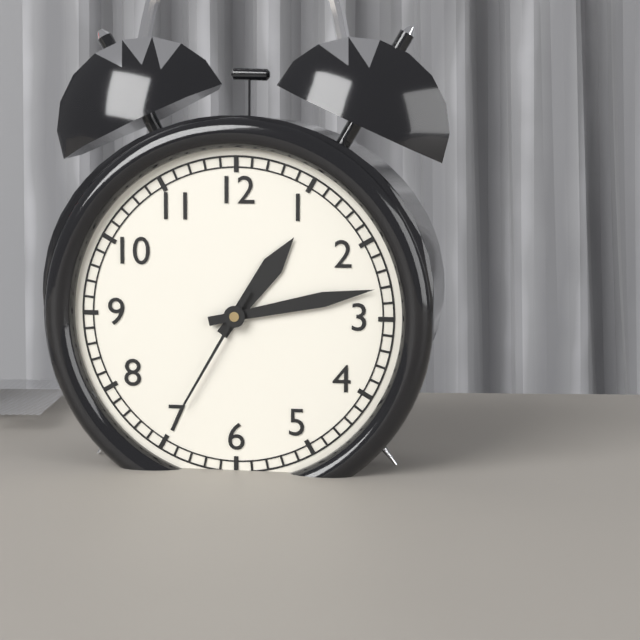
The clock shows 1.13.35
